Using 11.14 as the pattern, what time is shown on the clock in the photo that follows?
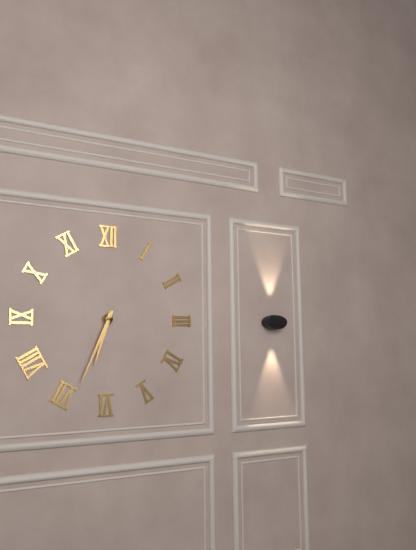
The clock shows 6.34
